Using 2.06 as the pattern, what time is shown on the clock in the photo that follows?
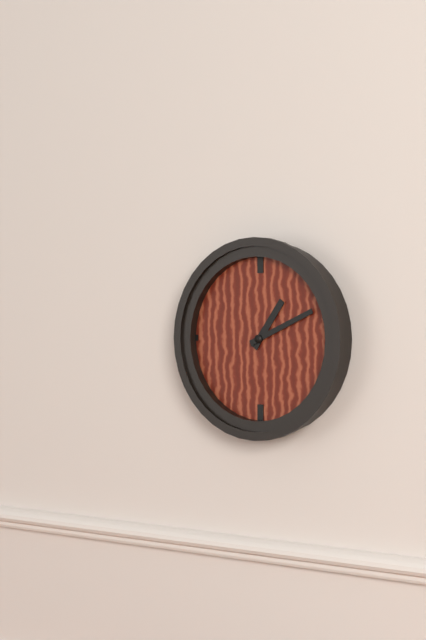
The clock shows 1.11
